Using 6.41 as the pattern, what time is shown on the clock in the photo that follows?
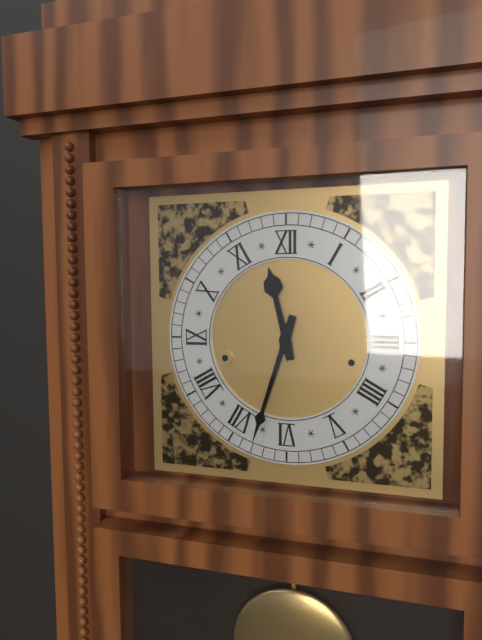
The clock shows 11.33
